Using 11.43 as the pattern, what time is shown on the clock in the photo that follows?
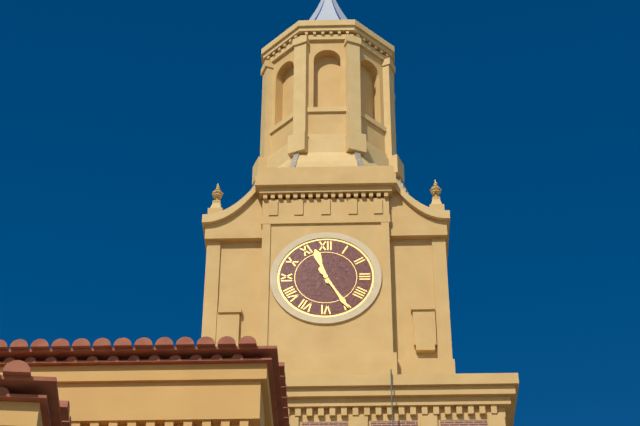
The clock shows 11.25
